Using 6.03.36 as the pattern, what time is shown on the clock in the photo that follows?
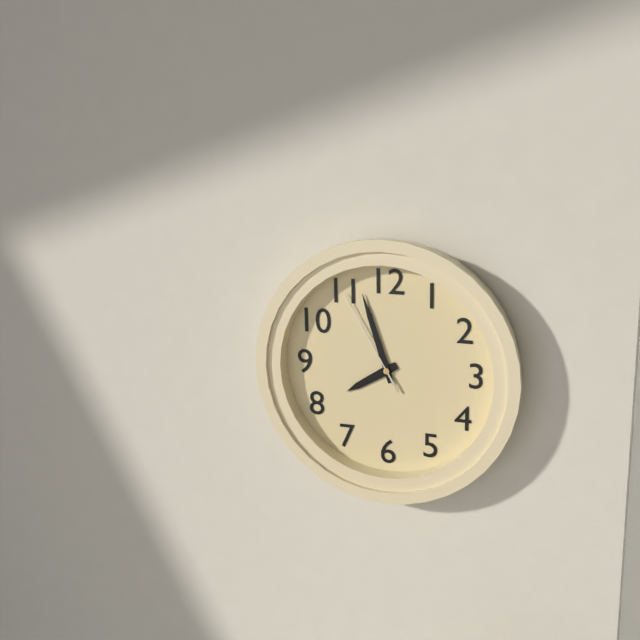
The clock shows 7.57.55
